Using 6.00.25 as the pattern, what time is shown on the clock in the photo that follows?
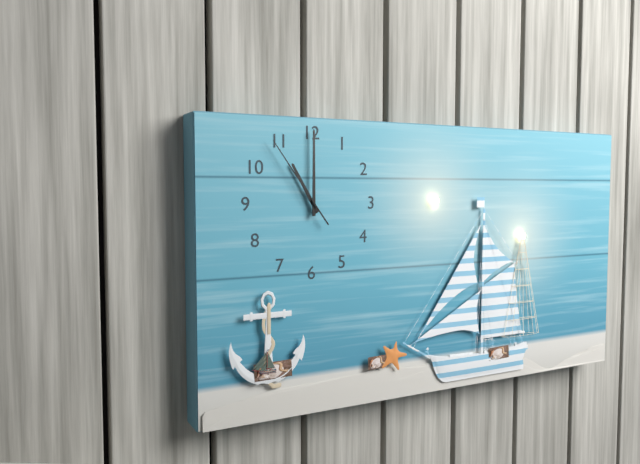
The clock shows 11.00.54
